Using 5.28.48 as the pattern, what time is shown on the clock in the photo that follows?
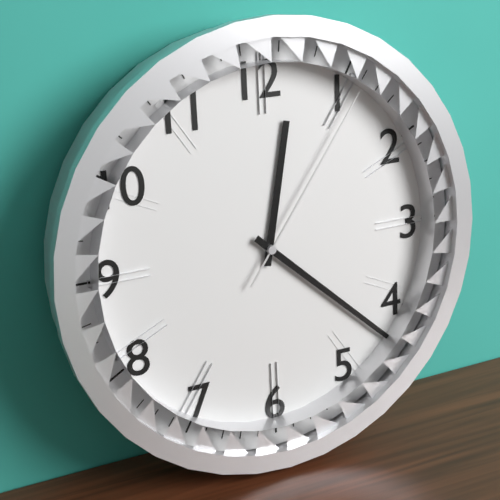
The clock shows 12.22.06
